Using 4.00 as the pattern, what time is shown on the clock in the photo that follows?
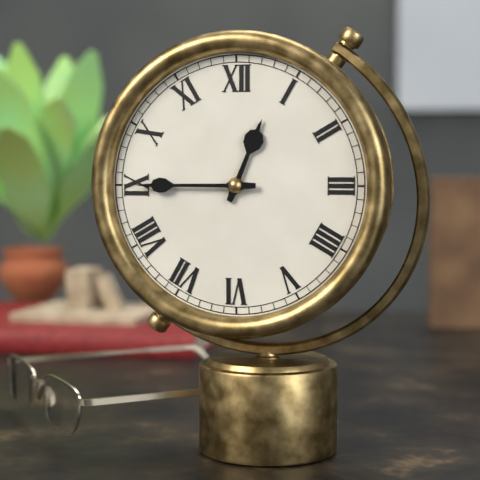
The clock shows 12.45
